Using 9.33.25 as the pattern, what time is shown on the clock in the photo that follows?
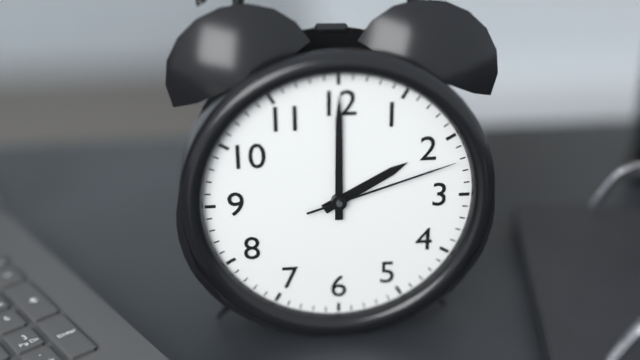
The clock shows 2.00.12
